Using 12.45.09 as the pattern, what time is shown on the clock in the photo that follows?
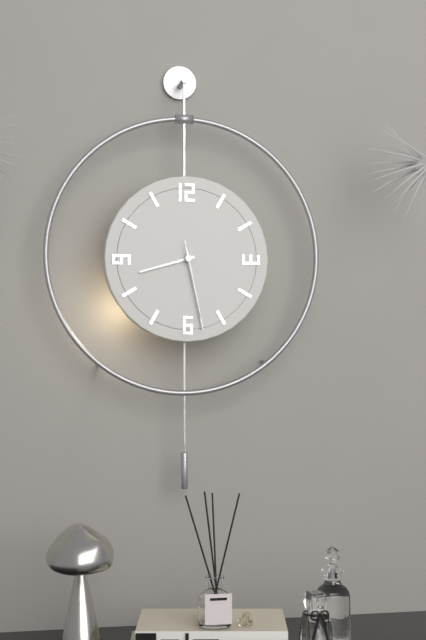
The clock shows 8.28.28
